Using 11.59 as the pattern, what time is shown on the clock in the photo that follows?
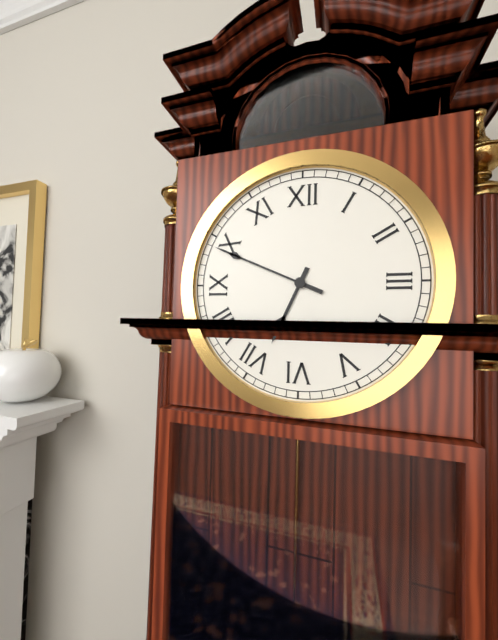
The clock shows 6.49
